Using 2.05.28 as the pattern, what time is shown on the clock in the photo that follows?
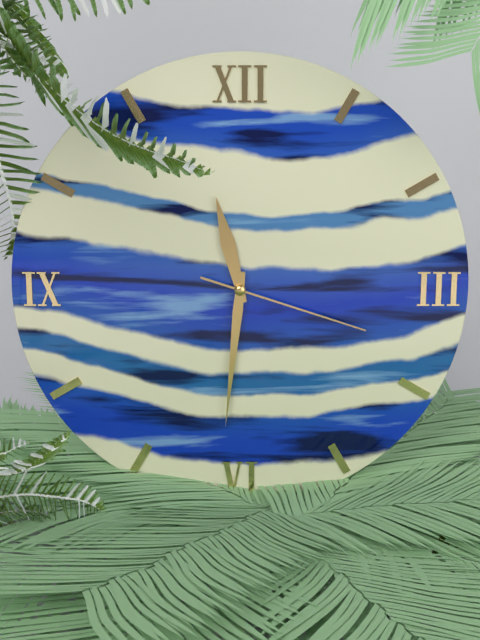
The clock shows 11.31.18
